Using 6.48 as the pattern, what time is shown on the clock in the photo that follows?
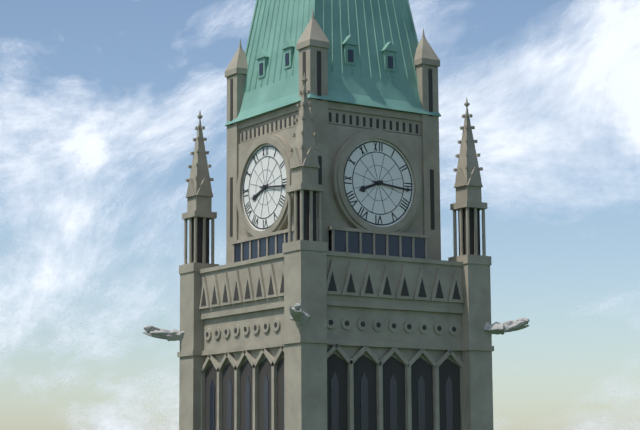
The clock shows 8.16
